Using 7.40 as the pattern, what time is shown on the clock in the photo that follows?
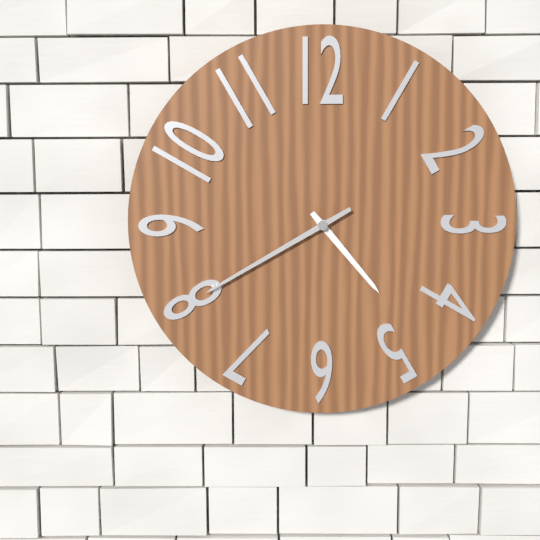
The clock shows 4.40
